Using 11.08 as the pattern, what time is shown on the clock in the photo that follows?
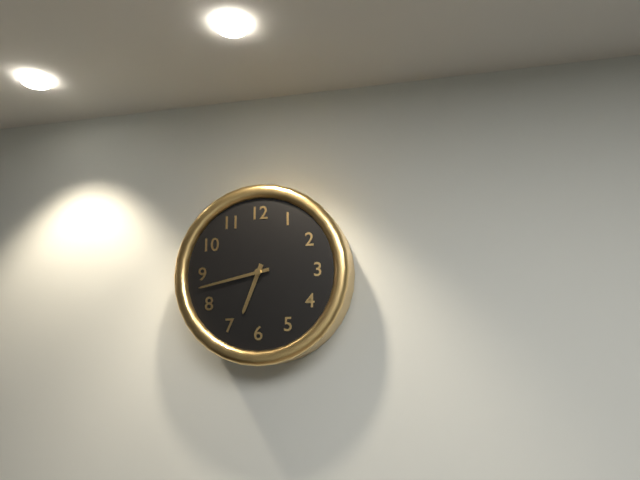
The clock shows 6.43
